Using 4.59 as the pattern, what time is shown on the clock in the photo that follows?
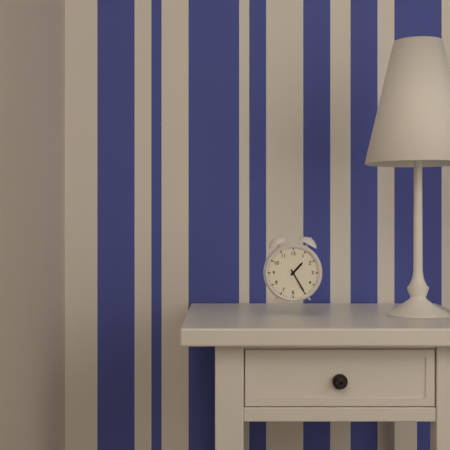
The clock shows 1.25
